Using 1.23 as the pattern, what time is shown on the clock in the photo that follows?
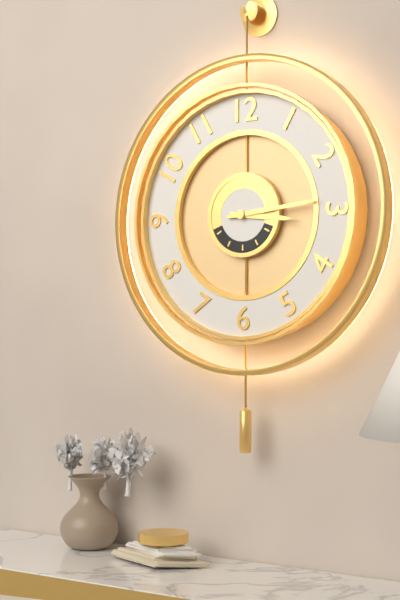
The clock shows 3.14
